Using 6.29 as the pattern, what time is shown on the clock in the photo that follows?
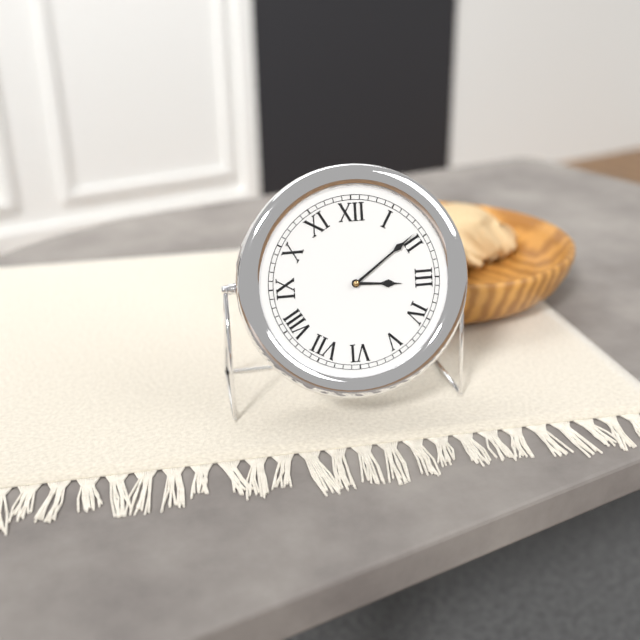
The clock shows 3.09
